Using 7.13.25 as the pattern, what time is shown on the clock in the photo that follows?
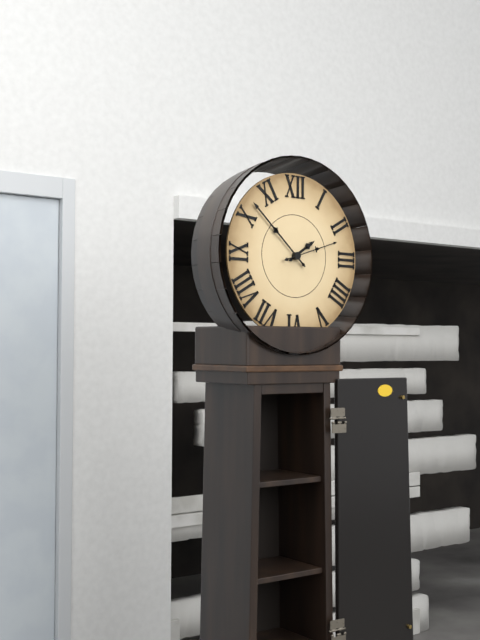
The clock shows 1.52.12
